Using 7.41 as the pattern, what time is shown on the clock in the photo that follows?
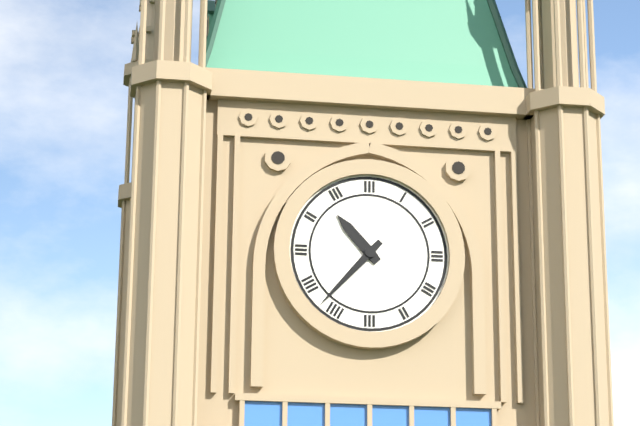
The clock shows 10.37
